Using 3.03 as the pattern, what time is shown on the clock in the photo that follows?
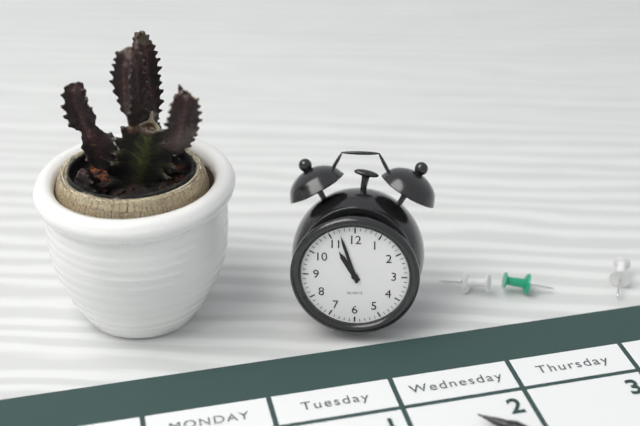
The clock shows 10.57
